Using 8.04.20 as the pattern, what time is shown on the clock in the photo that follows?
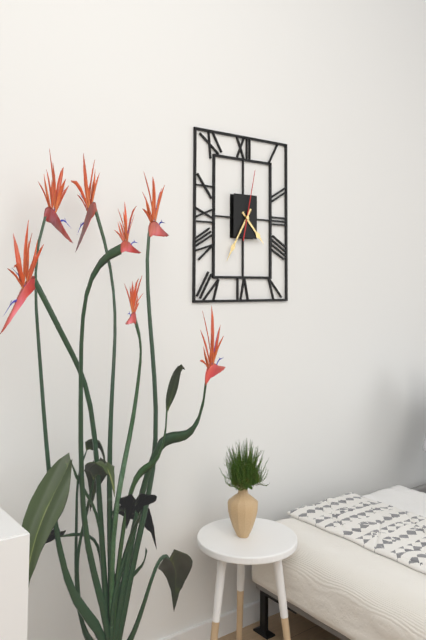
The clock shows 4.35.02
